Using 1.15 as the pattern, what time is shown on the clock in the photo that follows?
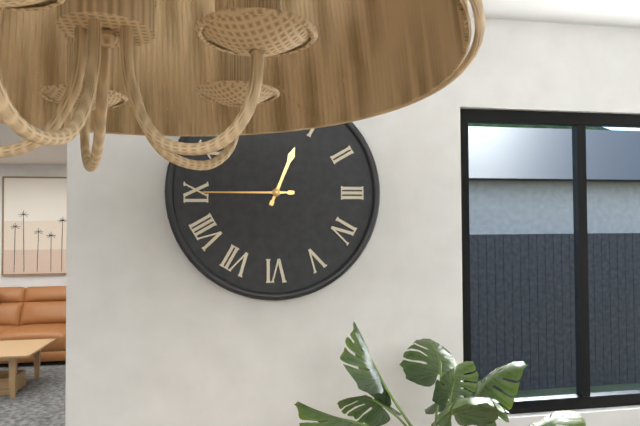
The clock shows 12.45
